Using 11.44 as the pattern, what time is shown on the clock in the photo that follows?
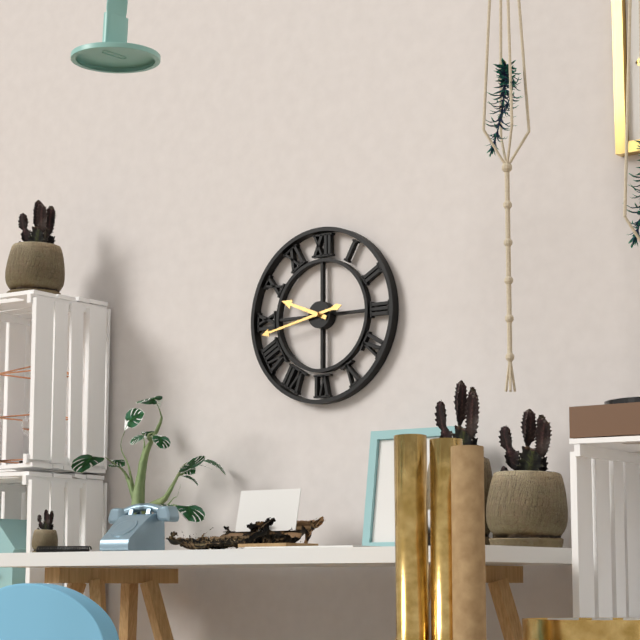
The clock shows 9.43
